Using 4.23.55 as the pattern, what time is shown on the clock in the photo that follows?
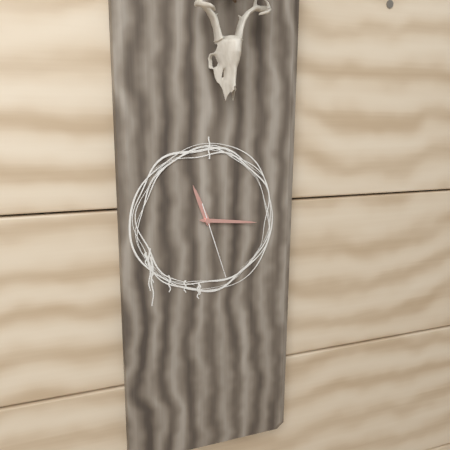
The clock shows 11.16.27
